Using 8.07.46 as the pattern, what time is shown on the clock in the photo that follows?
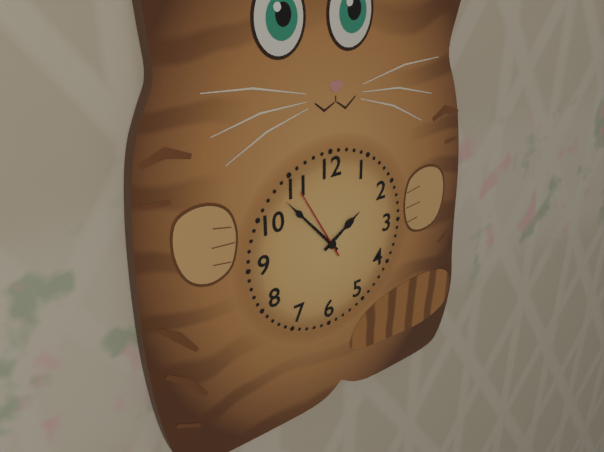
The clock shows 1.53.55
